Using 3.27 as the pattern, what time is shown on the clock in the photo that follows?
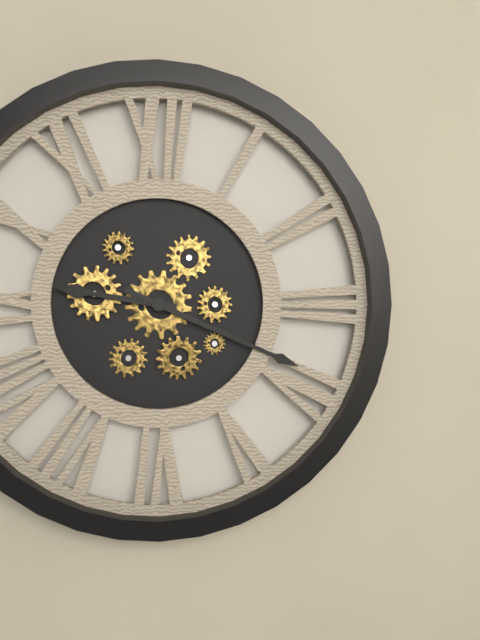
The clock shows 9.19
